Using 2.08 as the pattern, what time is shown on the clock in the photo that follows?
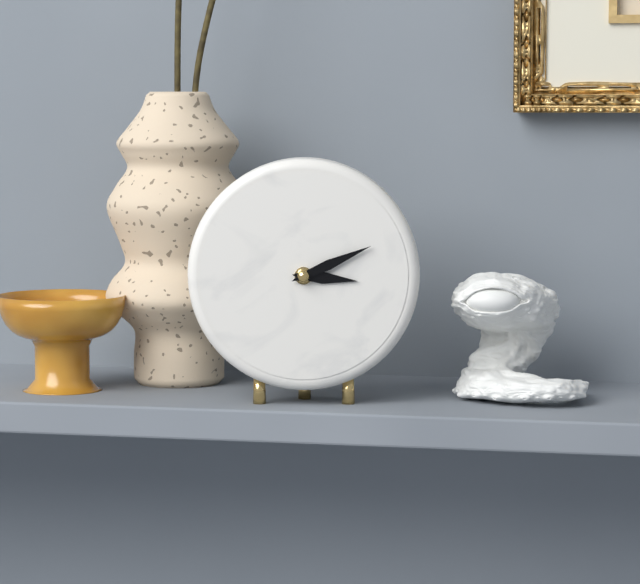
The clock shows 3.11
